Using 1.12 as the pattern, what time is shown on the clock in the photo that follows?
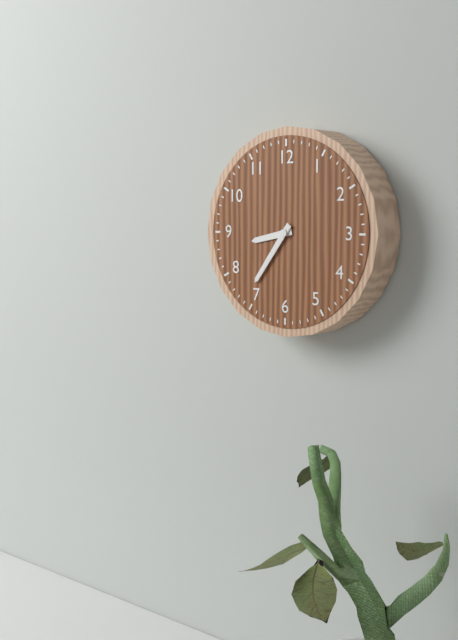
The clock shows 8.36
